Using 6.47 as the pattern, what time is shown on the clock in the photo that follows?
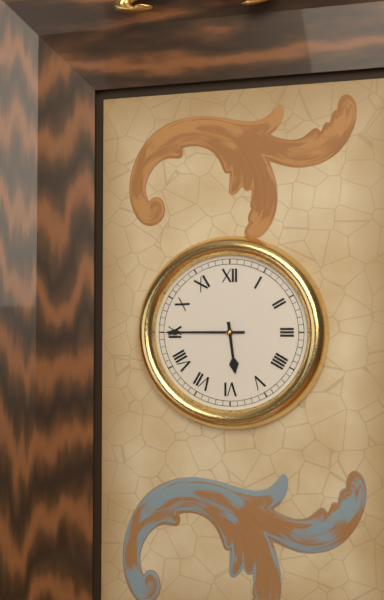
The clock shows 5.45
